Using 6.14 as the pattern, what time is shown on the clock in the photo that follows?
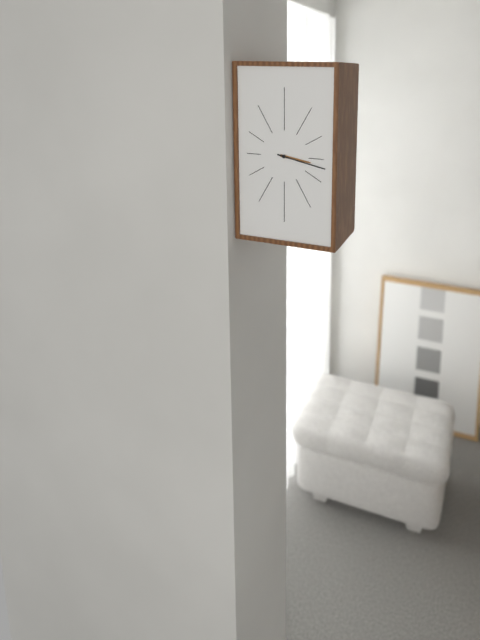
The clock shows 3.17
